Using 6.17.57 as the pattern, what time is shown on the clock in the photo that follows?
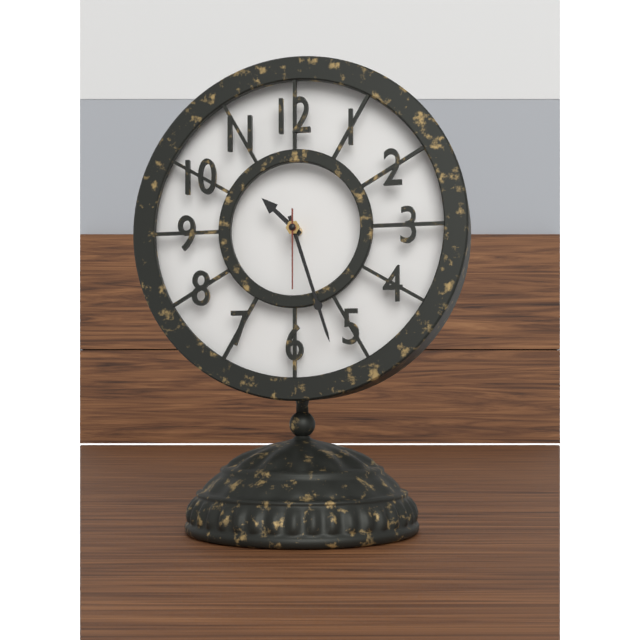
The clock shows 10.27.30
